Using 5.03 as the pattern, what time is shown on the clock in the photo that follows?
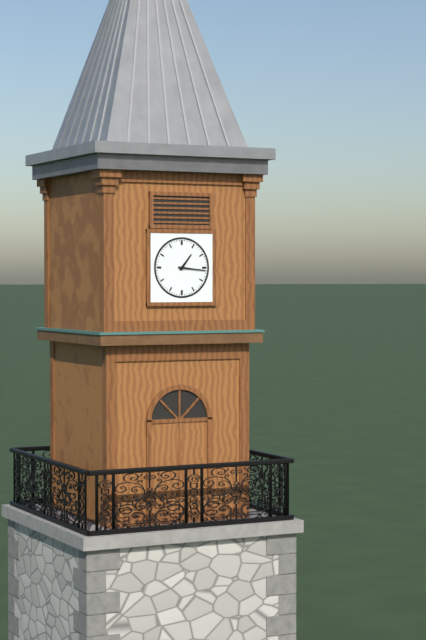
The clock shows 1.16
